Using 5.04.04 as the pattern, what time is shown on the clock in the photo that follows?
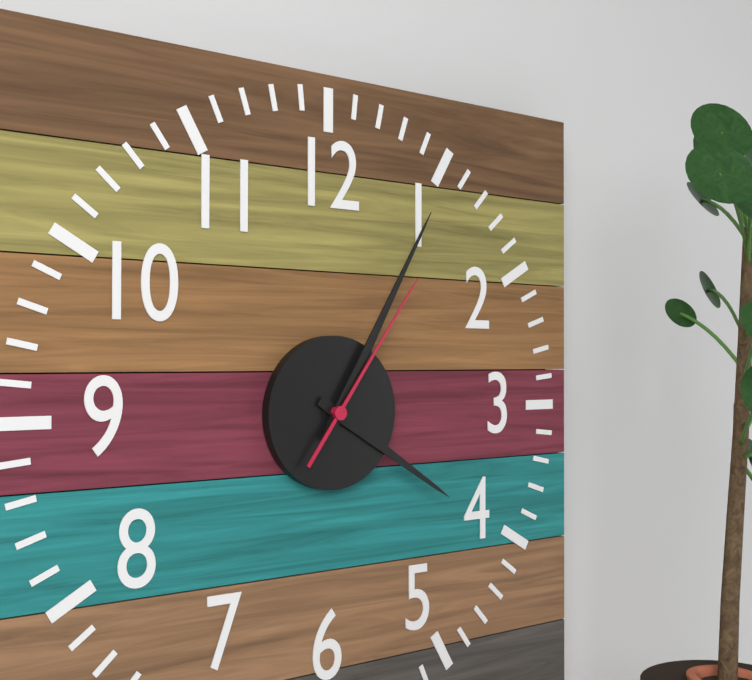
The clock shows 4.05.06
